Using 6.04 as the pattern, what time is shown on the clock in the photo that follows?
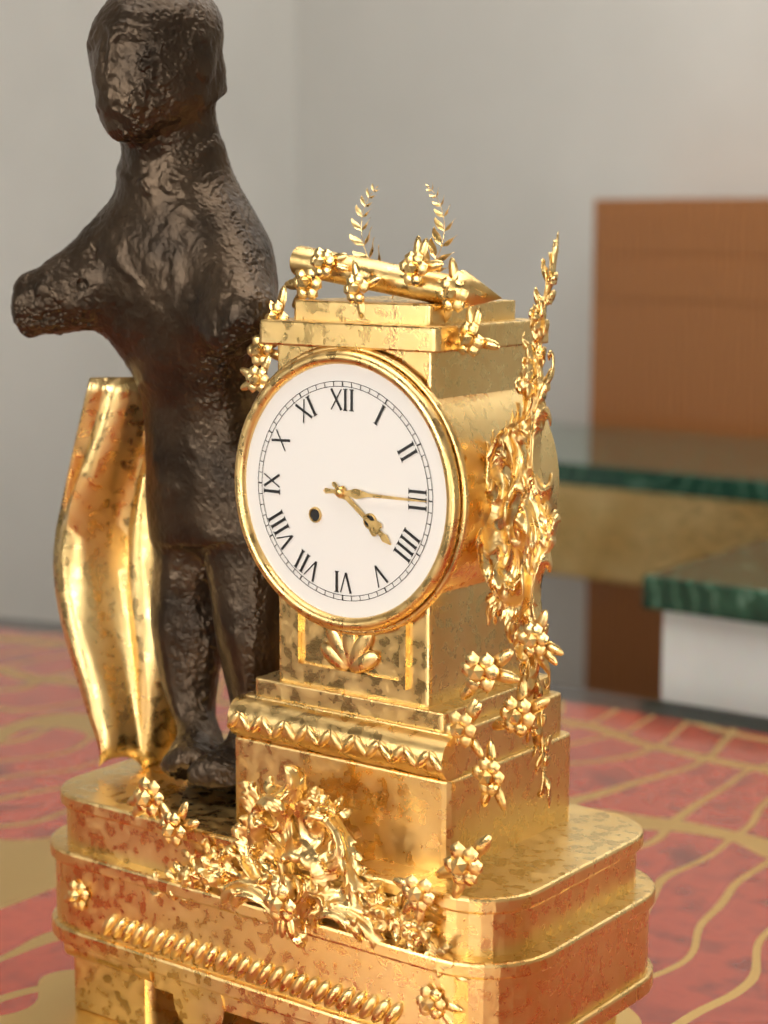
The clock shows 4.15
